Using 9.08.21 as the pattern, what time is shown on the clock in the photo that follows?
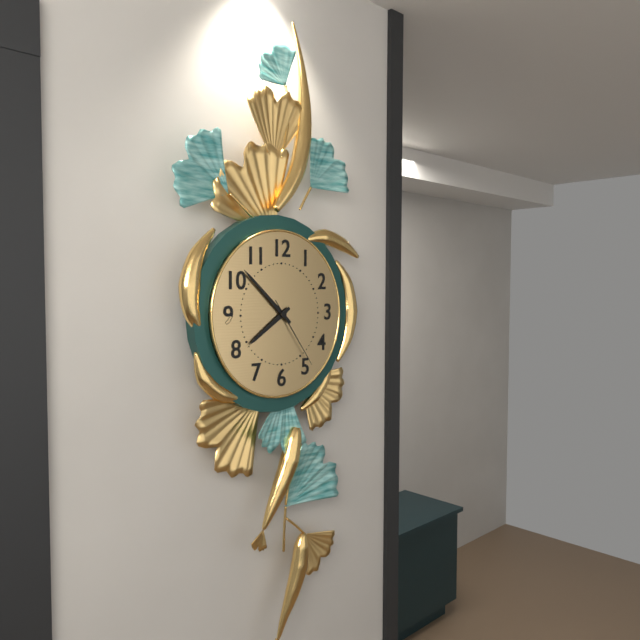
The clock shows 7.52.24
